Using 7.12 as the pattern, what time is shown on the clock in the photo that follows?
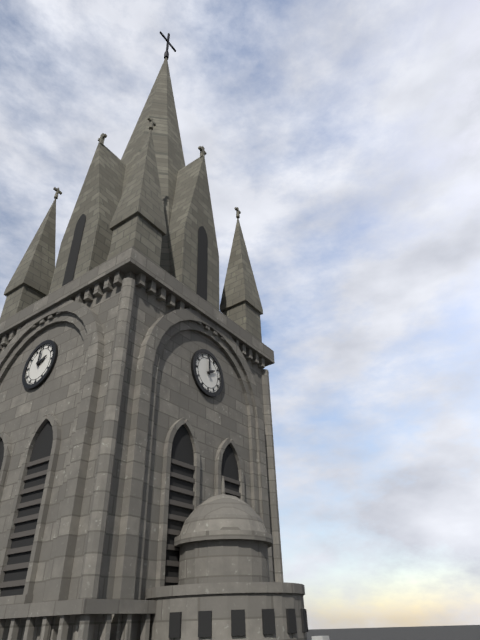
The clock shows 2.00
